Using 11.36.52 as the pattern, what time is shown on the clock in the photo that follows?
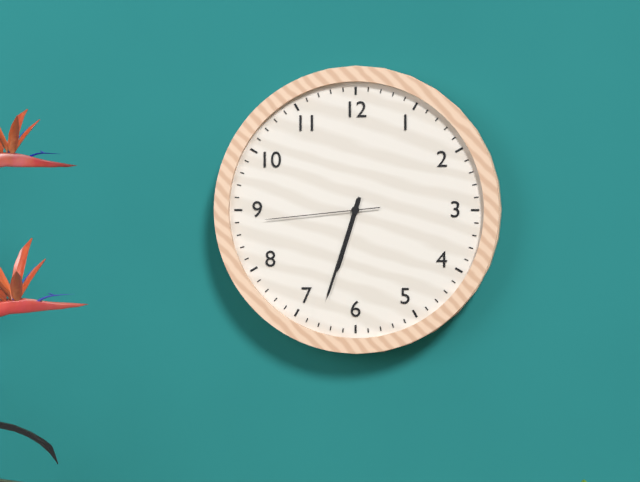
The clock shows 6.33.44
